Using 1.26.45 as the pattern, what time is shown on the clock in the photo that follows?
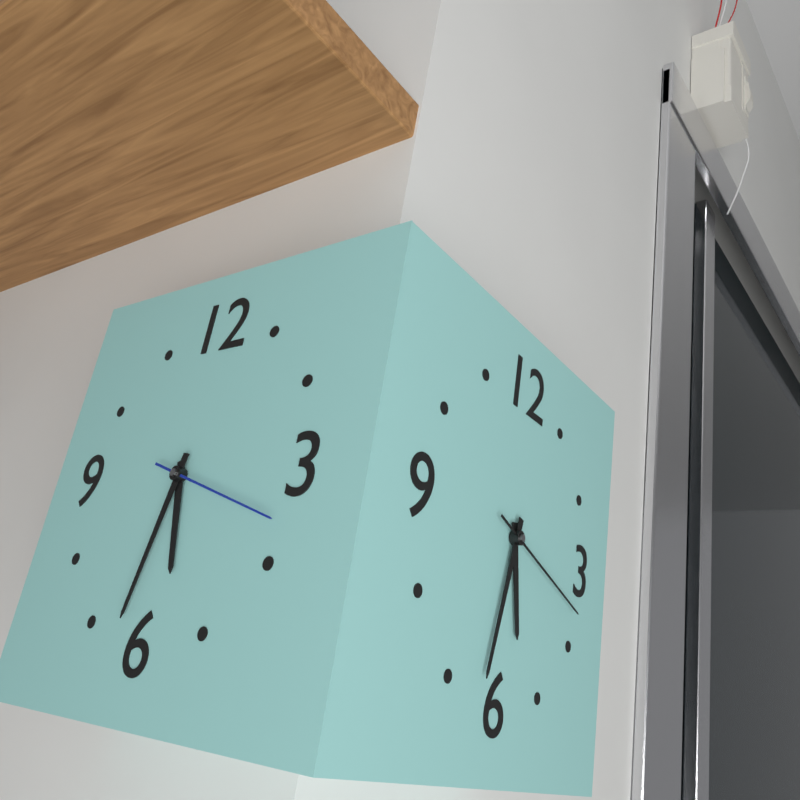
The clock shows 5.32.18
